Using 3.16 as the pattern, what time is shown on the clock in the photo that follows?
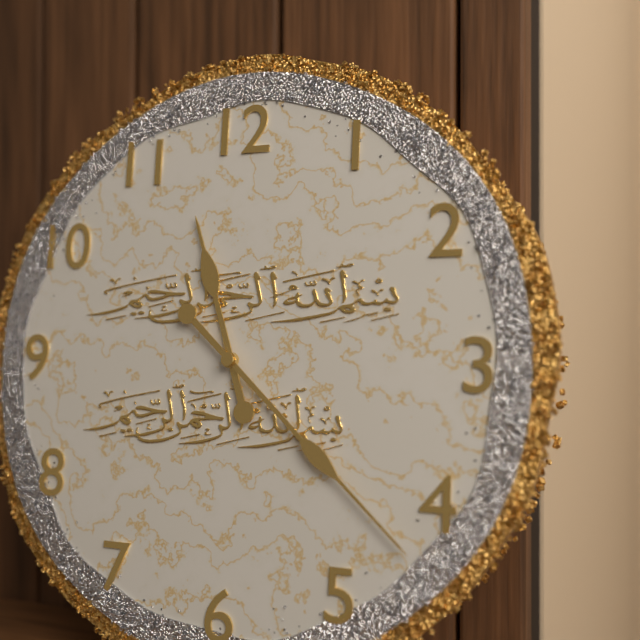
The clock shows 11.22
